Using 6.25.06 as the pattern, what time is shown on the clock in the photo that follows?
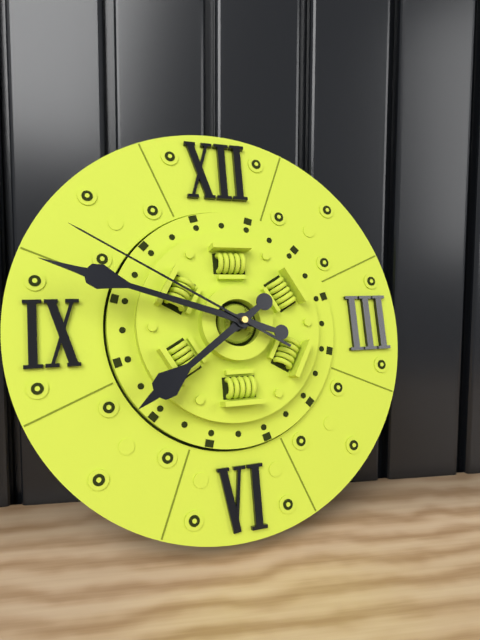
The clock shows 7.48.50
